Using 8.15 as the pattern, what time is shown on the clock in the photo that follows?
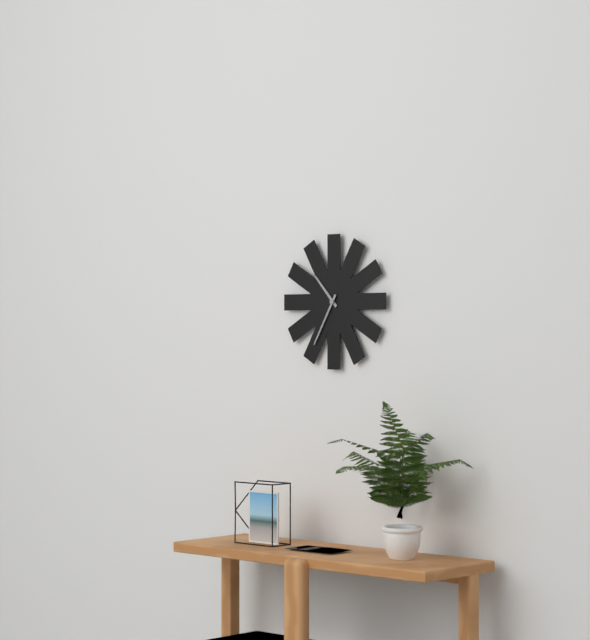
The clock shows 10.35
